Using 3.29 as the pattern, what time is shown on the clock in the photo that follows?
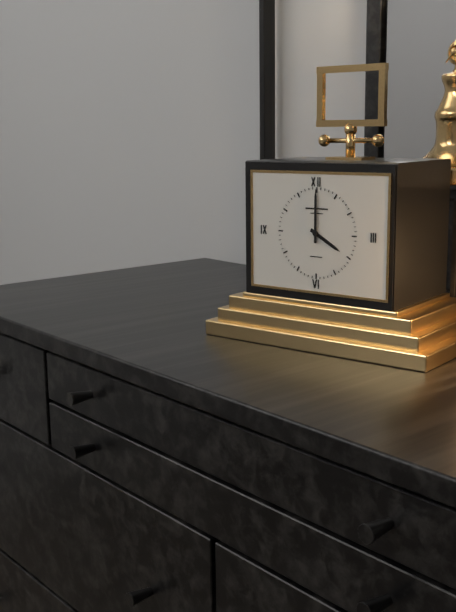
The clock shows 4.00
